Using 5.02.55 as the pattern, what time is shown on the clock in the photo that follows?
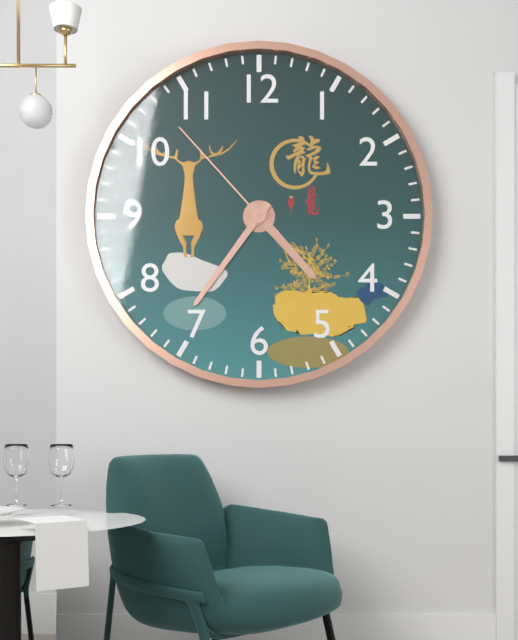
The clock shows 4.36.53
